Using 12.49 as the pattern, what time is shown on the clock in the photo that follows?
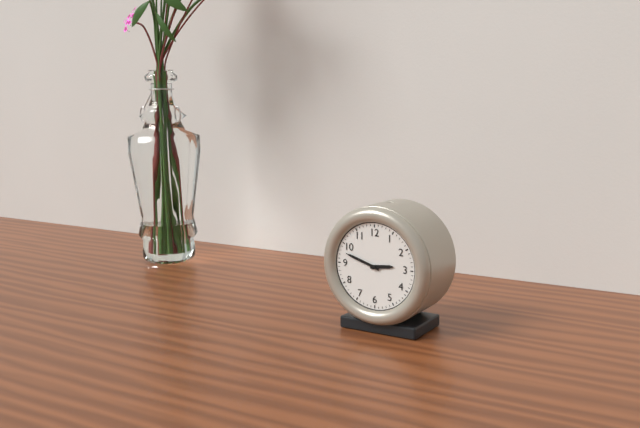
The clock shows 2.48
